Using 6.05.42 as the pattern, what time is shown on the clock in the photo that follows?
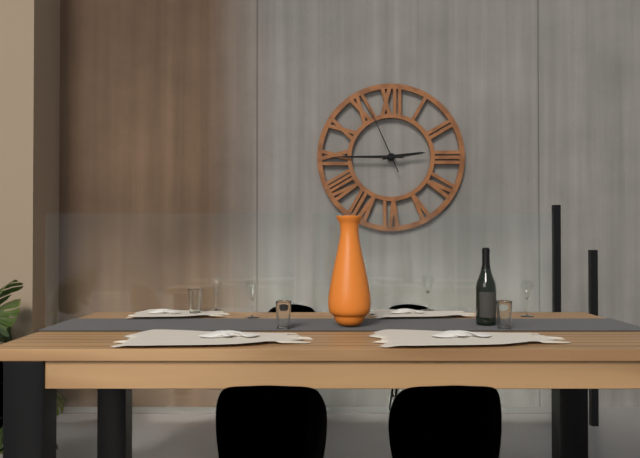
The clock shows 2.45.56
